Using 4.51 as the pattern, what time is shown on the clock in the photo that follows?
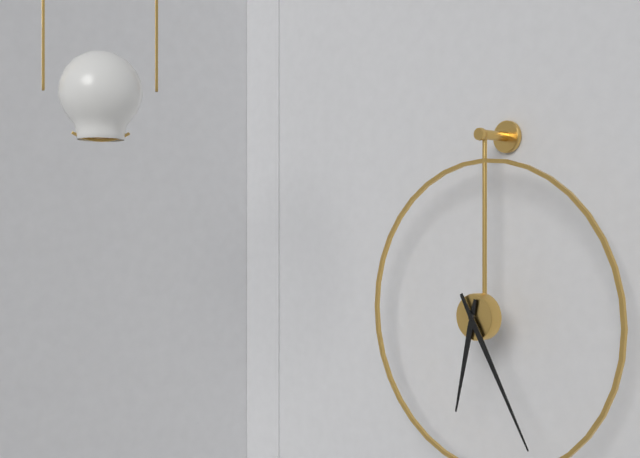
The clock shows 6.25
